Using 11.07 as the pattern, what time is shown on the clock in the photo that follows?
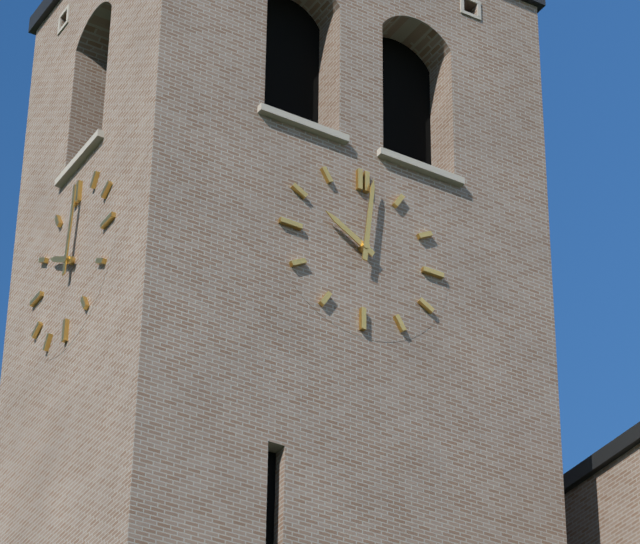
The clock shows 10.01
